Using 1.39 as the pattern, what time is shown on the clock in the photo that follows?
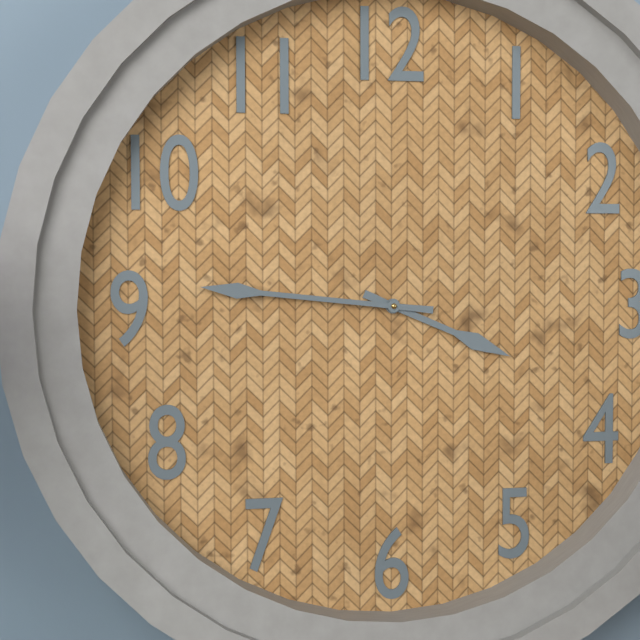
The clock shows 3.46
